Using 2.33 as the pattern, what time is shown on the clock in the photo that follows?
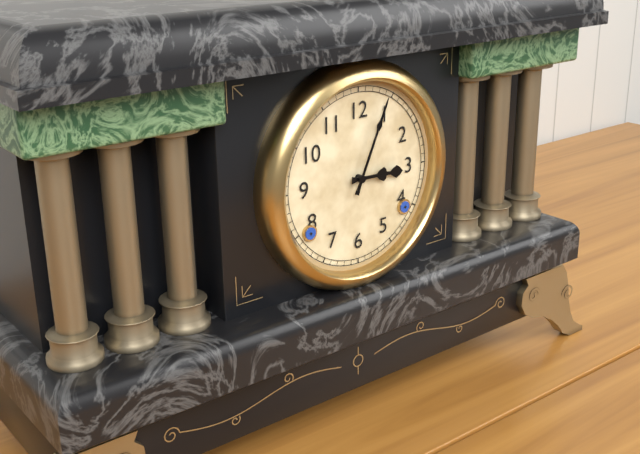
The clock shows 3.04
